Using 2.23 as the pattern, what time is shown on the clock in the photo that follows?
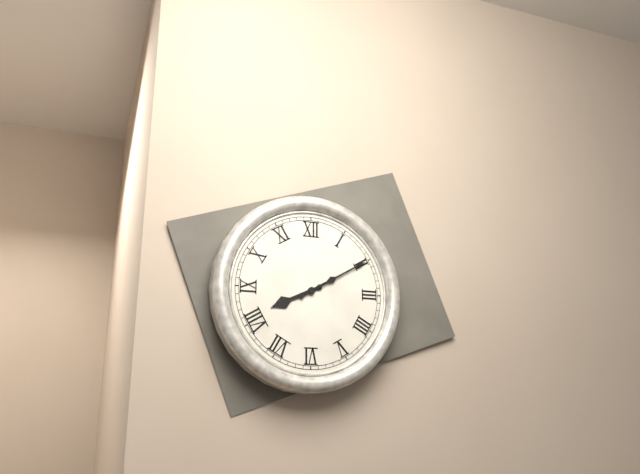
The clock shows 8.10
